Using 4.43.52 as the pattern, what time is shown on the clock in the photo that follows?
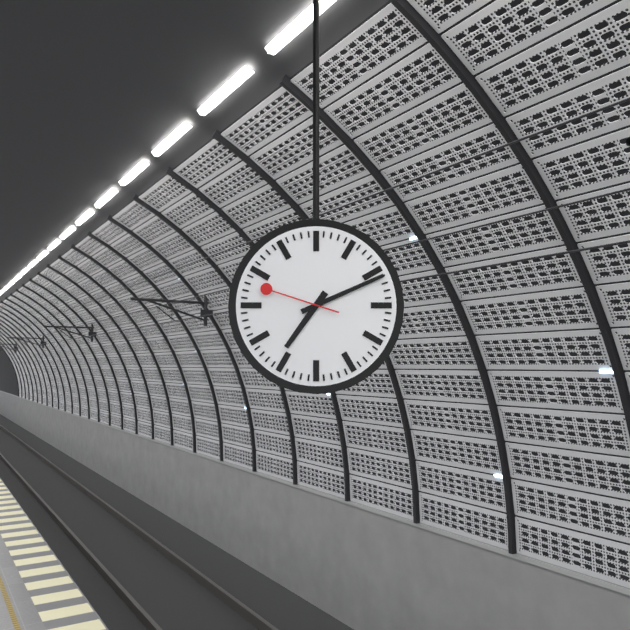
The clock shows 7.11.48
